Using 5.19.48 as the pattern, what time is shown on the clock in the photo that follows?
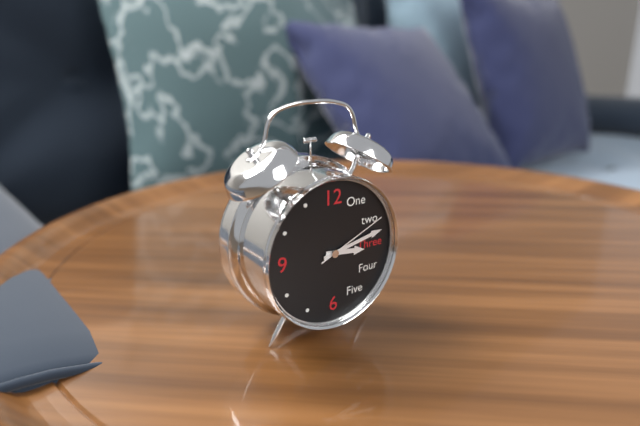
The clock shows 3.13.11
